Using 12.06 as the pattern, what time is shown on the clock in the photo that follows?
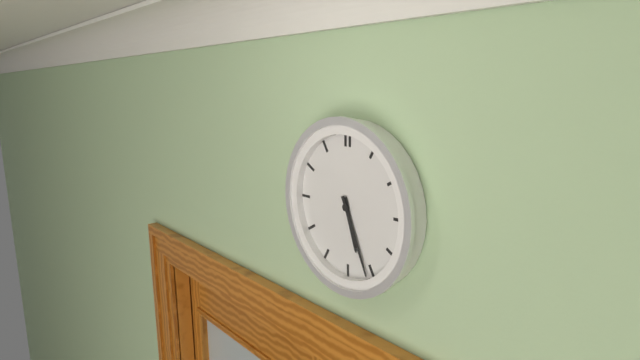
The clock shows 5.26
